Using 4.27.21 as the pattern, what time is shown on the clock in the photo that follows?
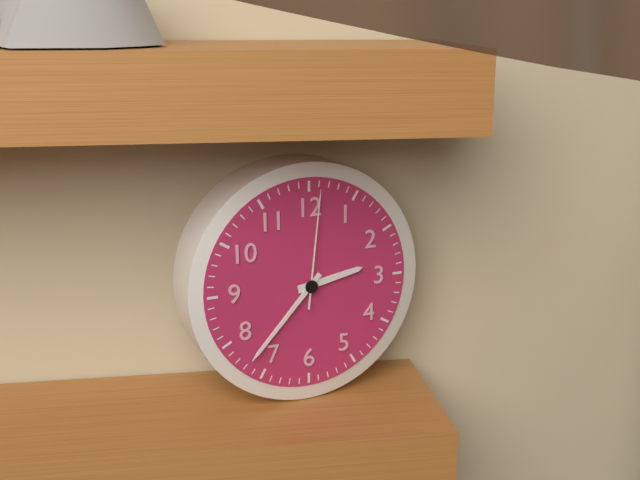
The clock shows 2.37.01
